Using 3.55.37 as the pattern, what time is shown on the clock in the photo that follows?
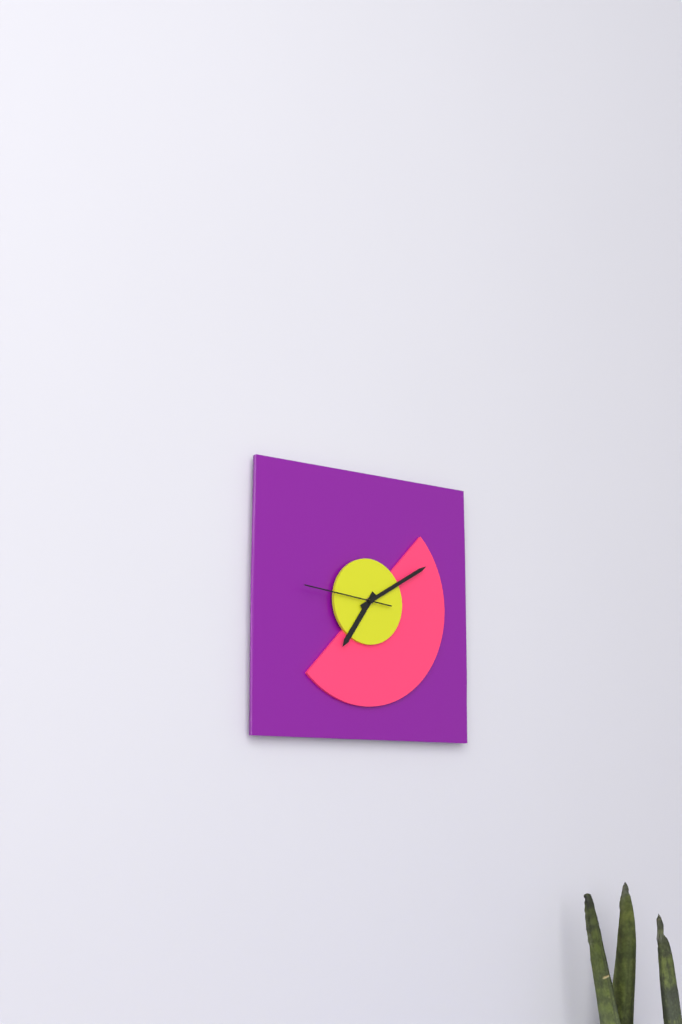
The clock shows 7.10.46
